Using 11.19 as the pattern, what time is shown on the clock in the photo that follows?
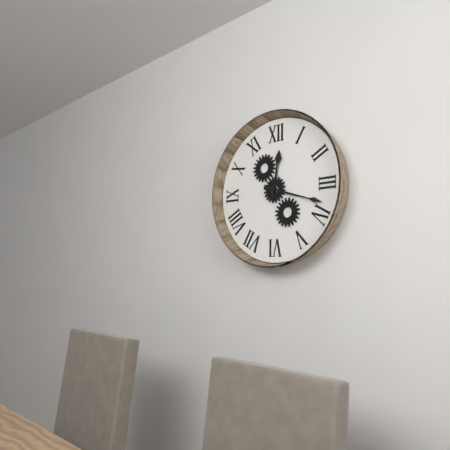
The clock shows 12.18
